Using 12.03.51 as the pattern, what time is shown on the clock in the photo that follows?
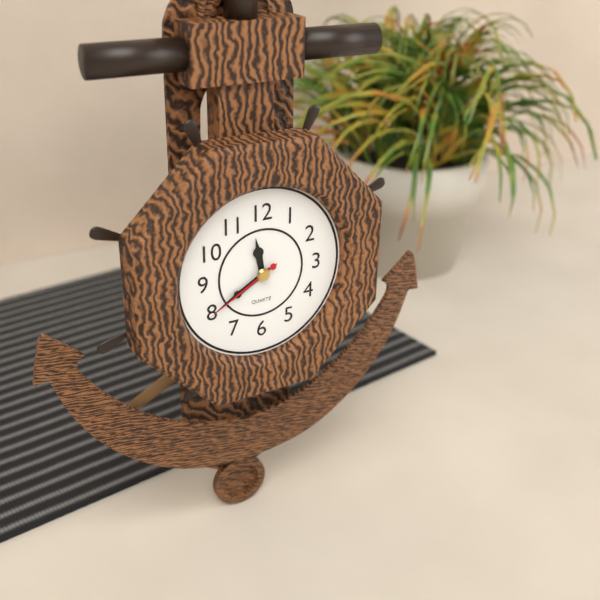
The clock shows 11.40.40
